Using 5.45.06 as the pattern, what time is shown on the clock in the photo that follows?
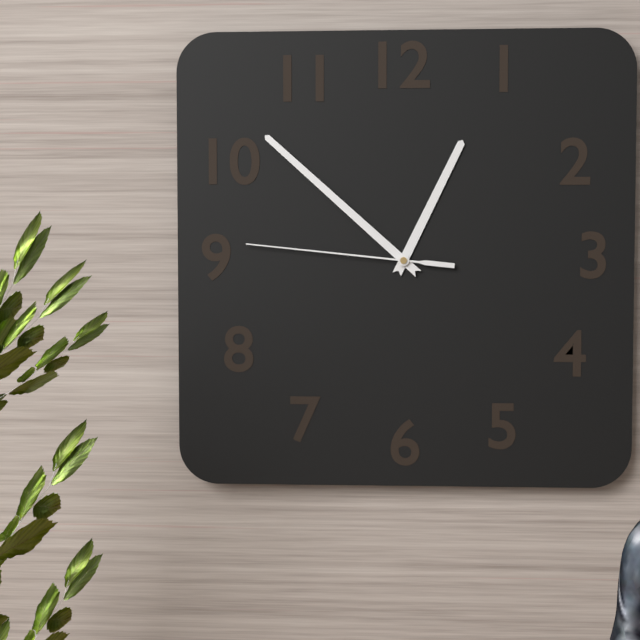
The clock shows 12.52.46
